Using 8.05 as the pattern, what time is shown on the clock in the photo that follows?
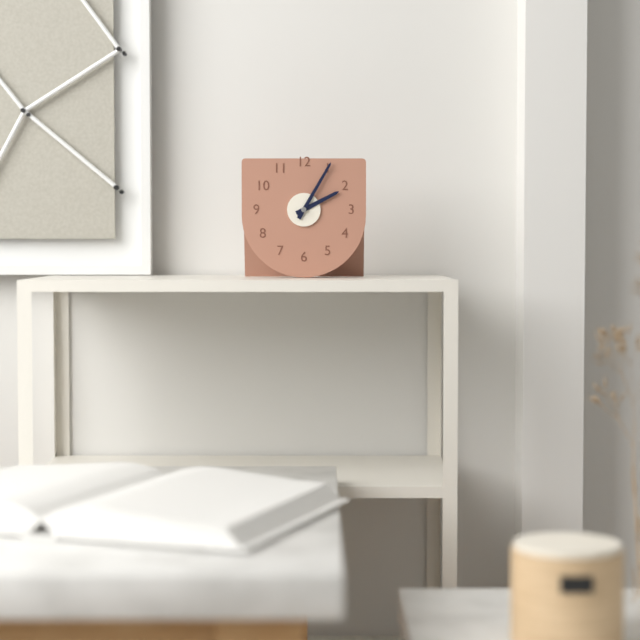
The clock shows 2.05
